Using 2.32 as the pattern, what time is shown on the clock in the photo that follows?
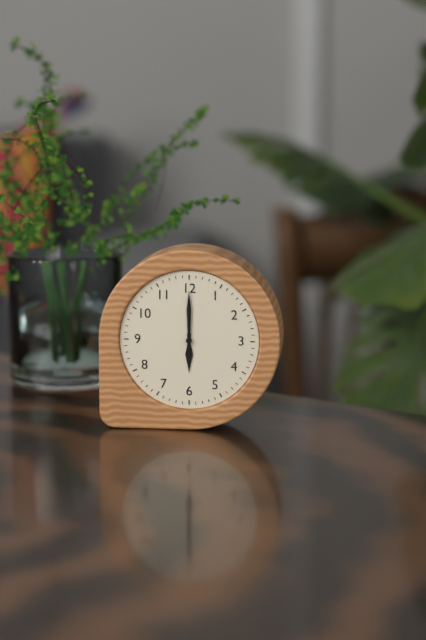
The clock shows 6.00
